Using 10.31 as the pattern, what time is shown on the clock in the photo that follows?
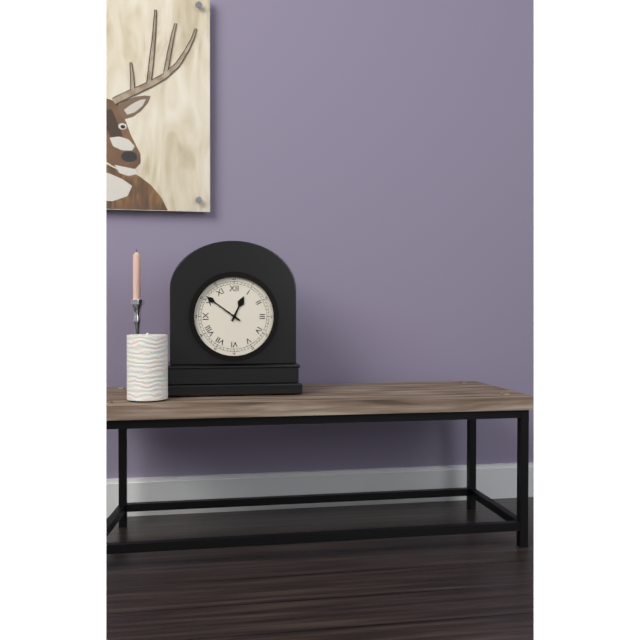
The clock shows 12.51
